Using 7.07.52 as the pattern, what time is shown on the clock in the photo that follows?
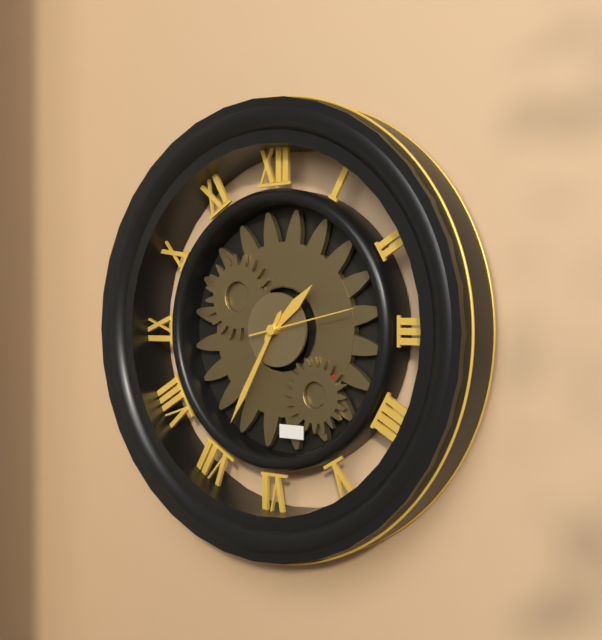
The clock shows 1.35.13
